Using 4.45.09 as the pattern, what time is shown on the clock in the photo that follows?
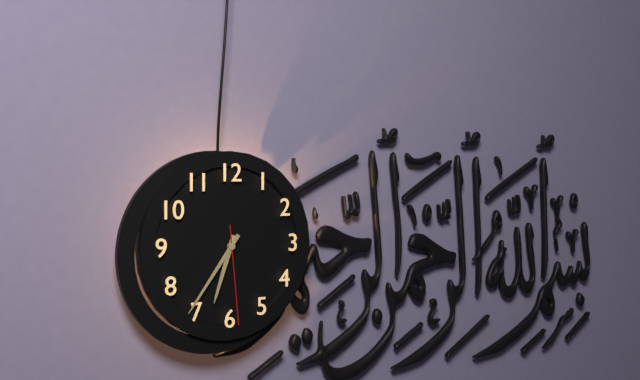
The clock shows 6.36.29
